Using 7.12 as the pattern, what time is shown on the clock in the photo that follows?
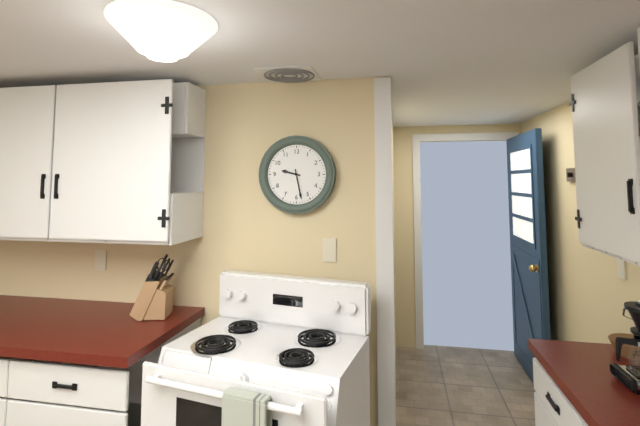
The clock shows 9.28
